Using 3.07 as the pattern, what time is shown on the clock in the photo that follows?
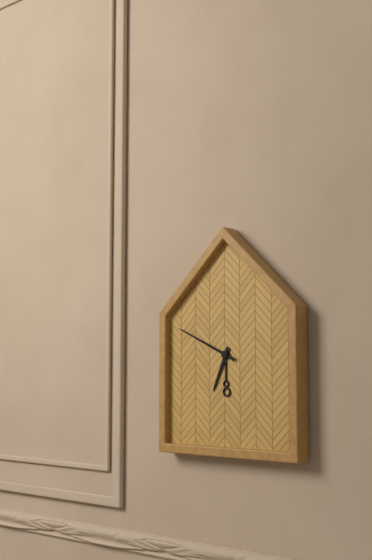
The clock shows 6.49
